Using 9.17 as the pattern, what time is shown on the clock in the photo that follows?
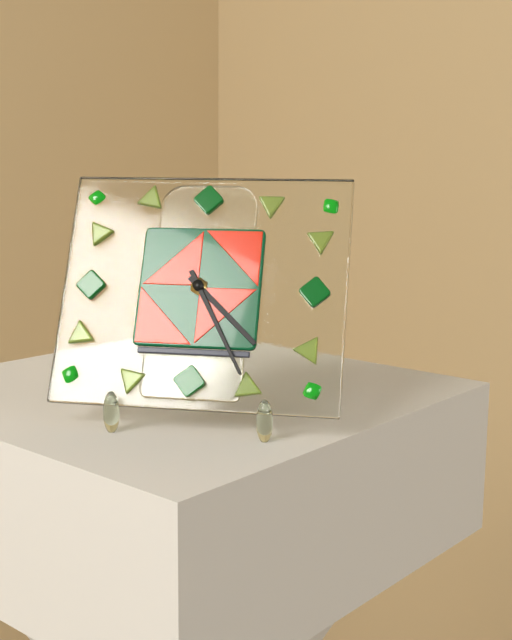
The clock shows 4.25
